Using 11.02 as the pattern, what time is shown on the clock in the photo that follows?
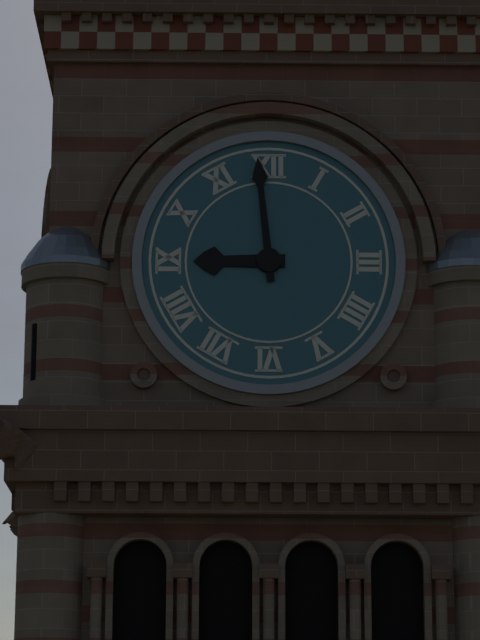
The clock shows 8.59
